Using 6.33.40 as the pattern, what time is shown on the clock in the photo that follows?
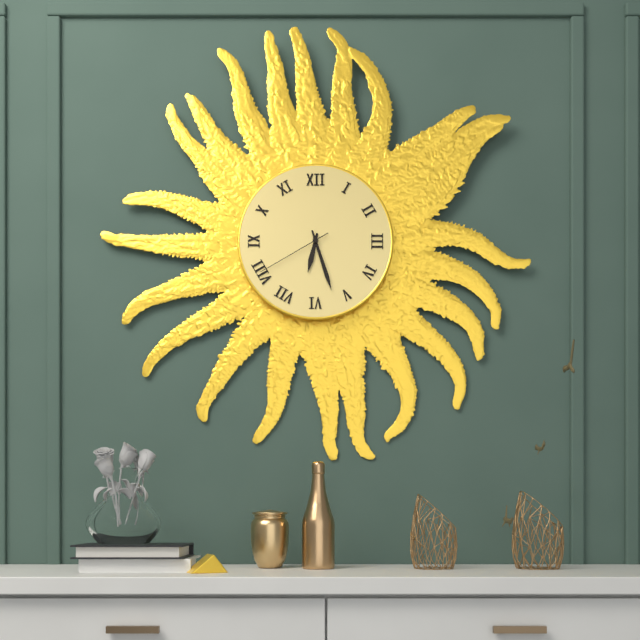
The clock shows 6.27.40
